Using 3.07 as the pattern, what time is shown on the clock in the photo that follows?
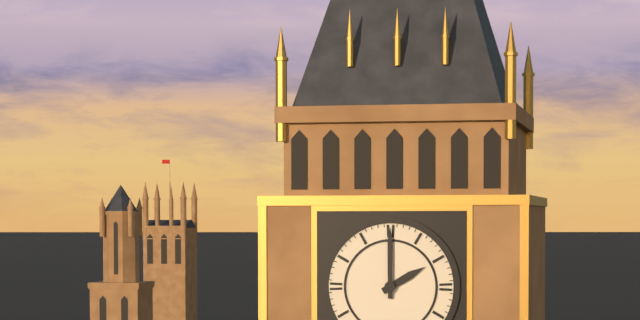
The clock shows 2.00
